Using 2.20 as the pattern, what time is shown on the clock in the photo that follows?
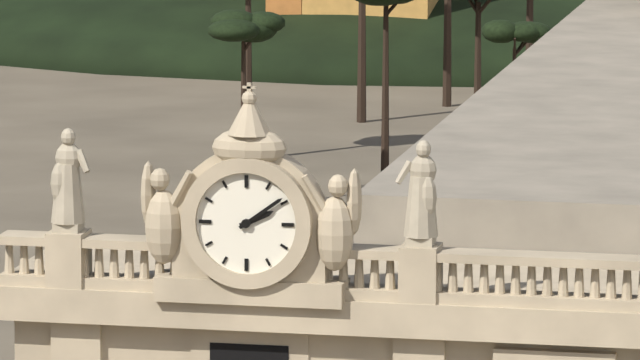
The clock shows 2.09
